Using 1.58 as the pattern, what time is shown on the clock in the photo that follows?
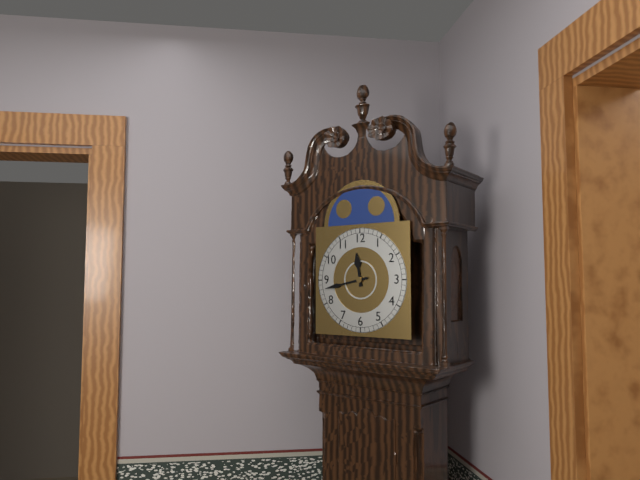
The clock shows 11.43
